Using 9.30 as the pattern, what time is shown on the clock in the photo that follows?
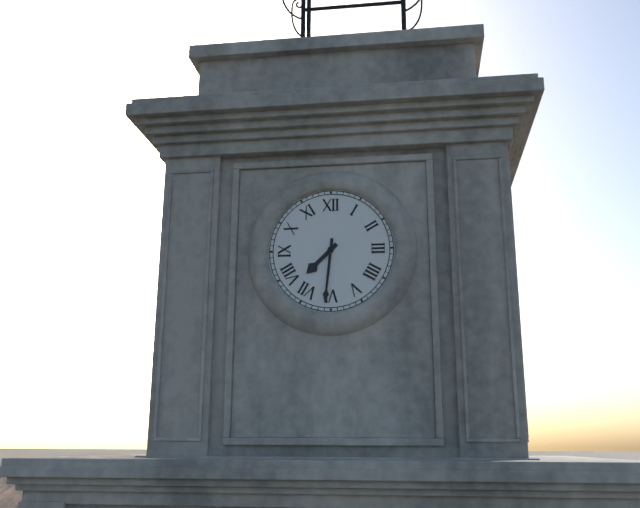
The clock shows 7.31
